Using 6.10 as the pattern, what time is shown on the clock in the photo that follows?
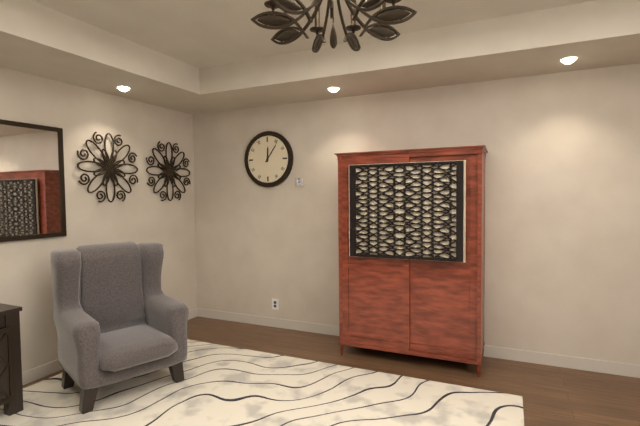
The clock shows 12.06
